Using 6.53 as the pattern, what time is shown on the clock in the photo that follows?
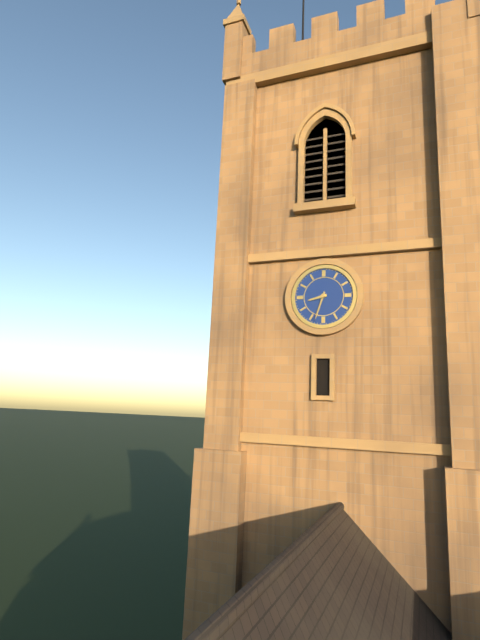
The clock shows 8.33
